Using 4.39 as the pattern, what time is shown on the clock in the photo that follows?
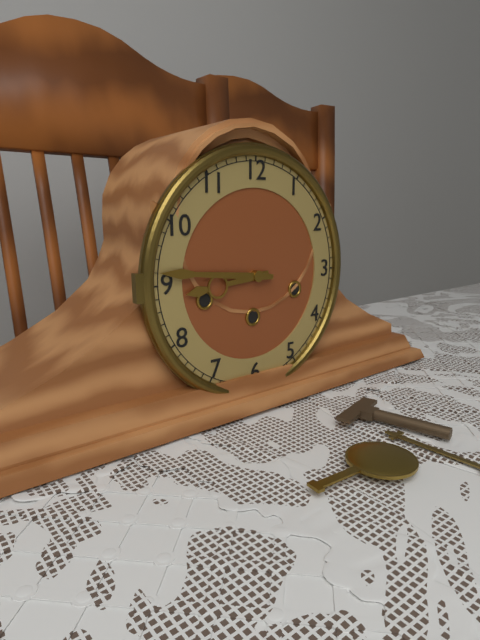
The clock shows 8.46
